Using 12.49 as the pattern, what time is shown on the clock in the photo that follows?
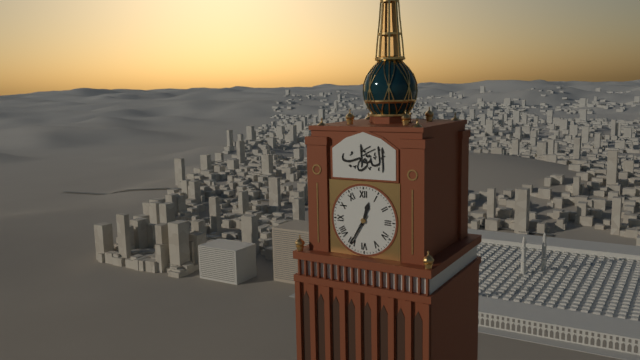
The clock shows 12.35
